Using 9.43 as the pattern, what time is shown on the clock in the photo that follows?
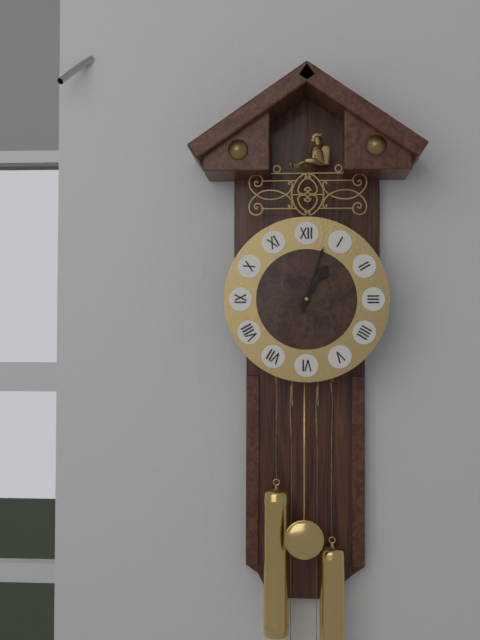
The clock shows 1.03
